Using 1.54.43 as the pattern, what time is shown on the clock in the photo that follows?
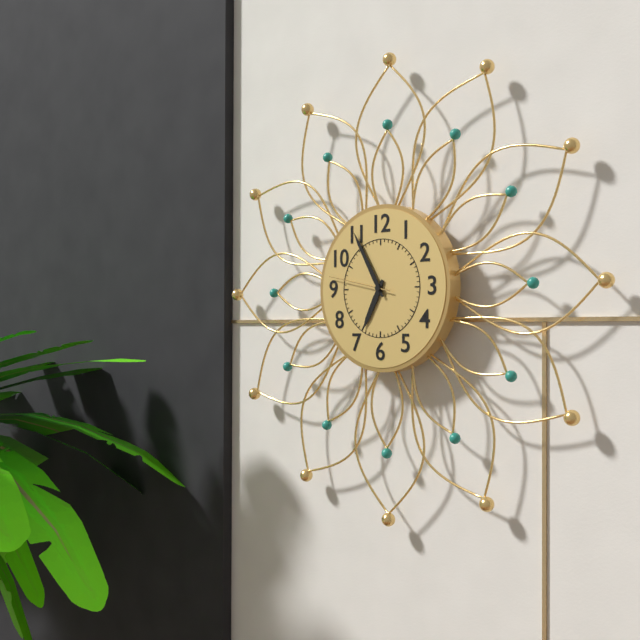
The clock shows 6.55.47
